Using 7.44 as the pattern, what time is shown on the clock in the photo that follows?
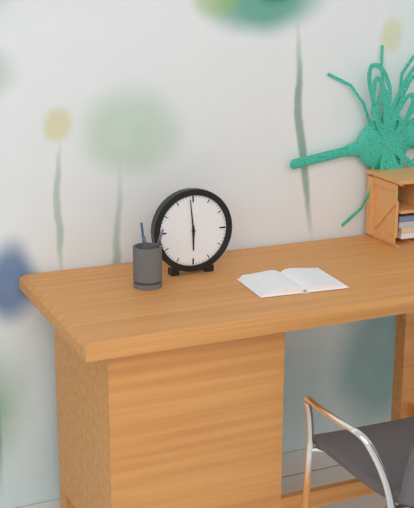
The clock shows 5.59
